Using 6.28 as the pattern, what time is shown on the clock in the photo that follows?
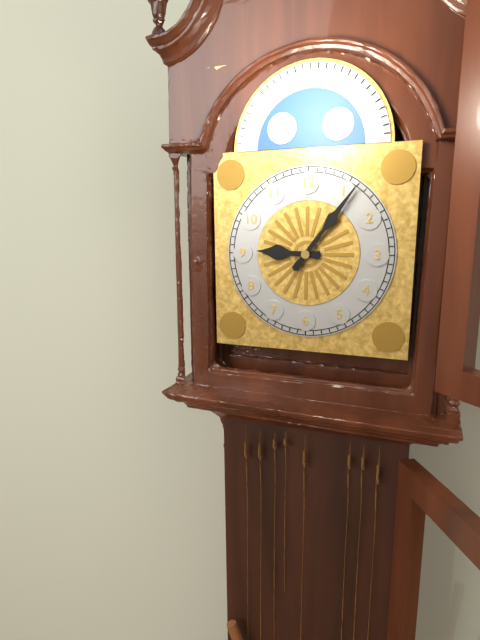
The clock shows 9.06
